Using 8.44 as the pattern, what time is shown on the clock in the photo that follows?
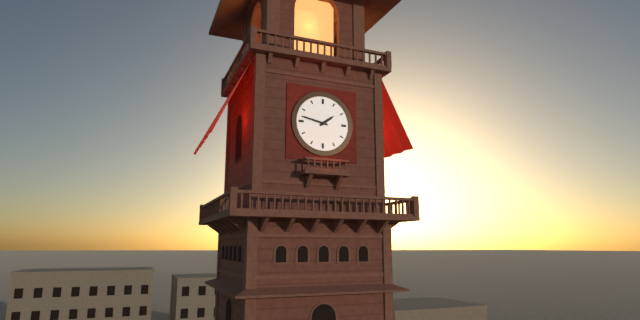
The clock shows 1.47
